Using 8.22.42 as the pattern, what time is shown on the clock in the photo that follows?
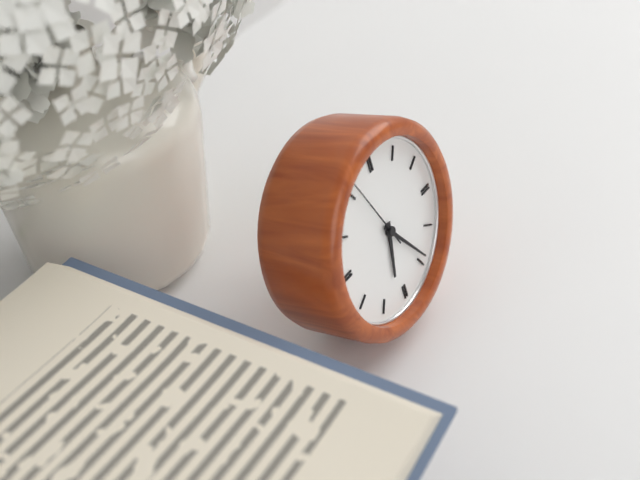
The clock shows 6.24.56
